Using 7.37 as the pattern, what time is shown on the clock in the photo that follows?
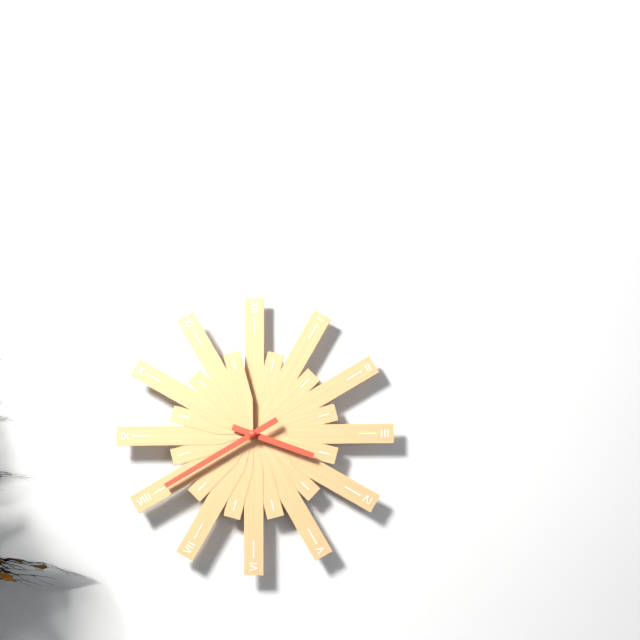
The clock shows 3.40
